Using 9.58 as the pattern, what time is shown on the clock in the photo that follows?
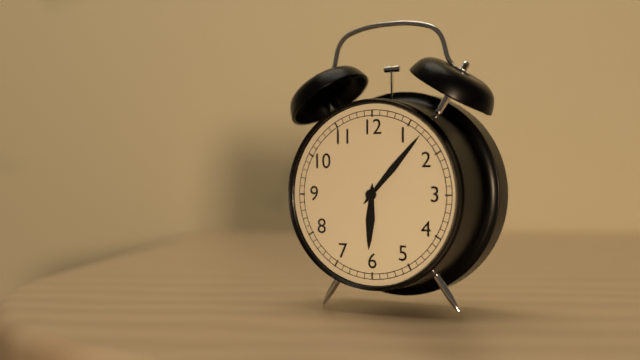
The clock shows 6.07
